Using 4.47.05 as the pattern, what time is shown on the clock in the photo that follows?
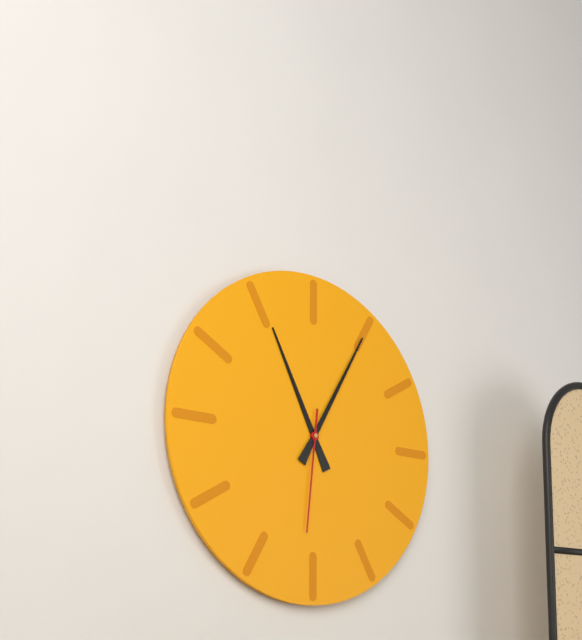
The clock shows 11.05.31
